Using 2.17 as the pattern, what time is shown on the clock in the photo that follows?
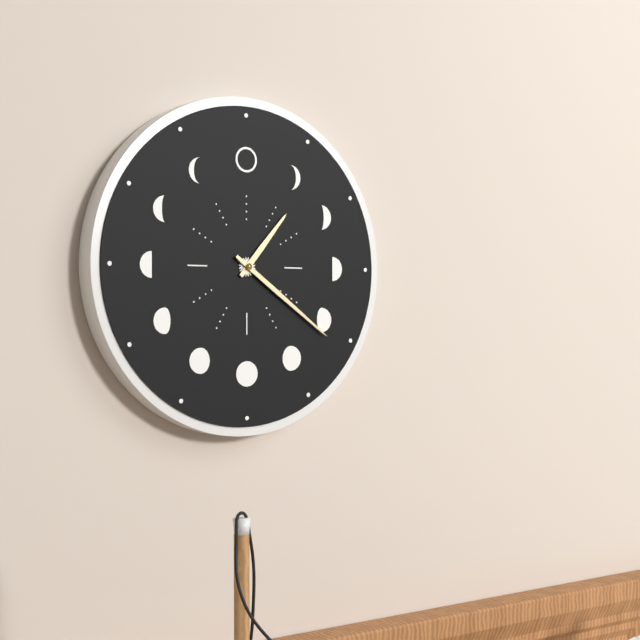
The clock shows 1.21
